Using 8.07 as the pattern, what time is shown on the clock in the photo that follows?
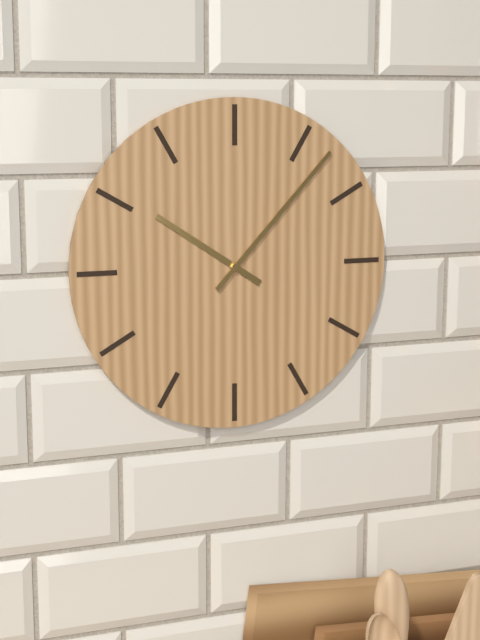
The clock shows 10.07
